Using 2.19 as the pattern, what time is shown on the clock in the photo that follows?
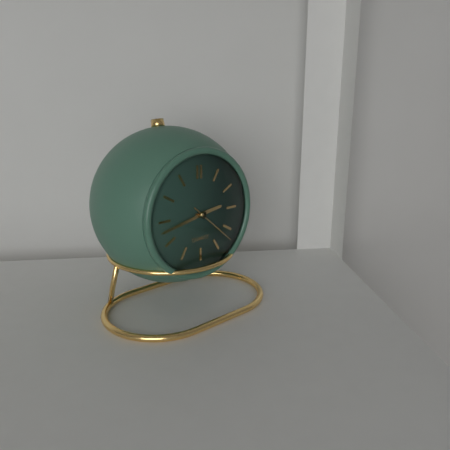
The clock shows 2.43
